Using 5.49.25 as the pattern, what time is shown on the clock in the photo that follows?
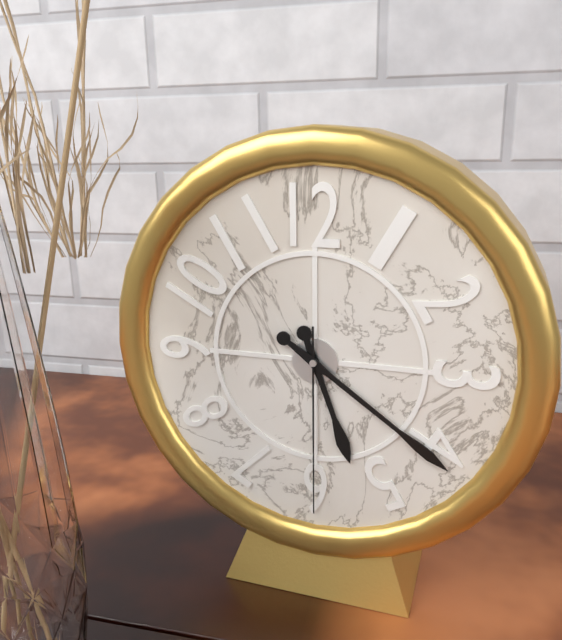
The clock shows 5.21.30
